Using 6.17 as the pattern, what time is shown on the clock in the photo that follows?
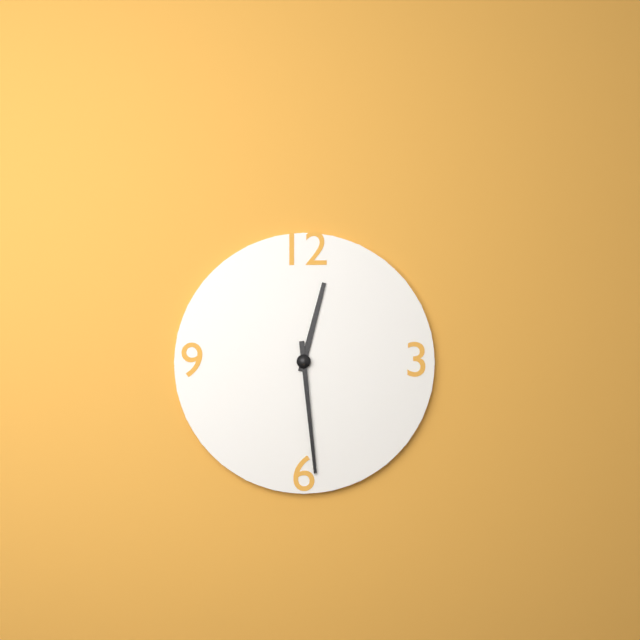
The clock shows 12.29
